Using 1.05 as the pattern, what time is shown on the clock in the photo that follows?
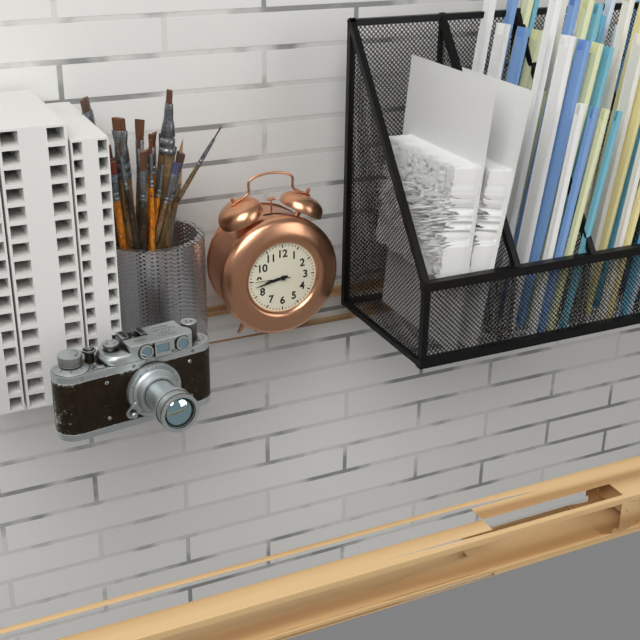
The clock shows 8.43
